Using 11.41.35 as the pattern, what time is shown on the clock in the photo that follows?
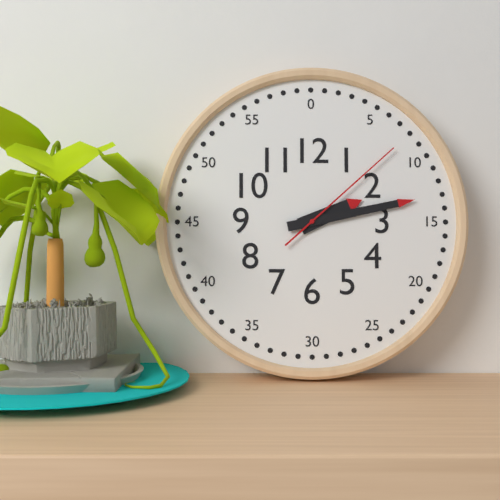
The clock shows 2.13.08
